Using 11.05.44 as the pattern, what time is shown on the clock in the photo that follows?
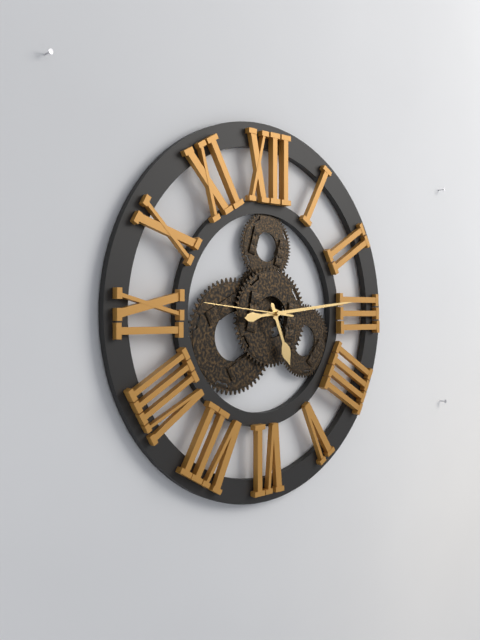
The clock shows 5.14.46
